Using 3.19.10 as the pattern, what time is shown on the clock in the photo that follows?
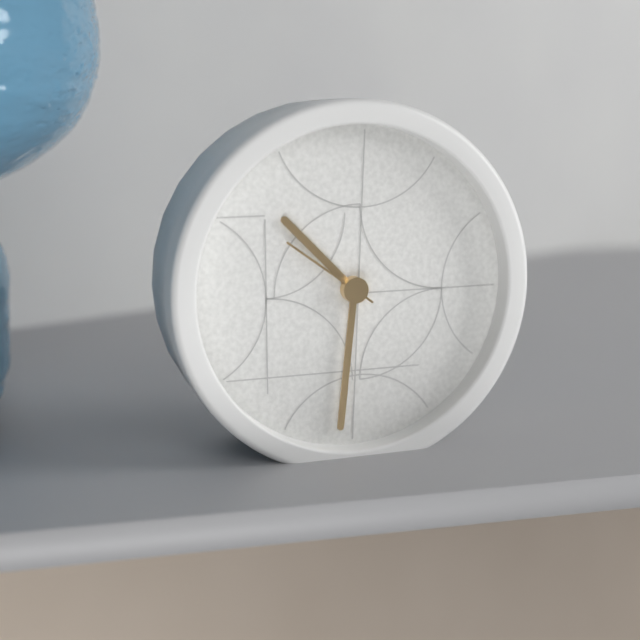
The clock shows 10.31.51
